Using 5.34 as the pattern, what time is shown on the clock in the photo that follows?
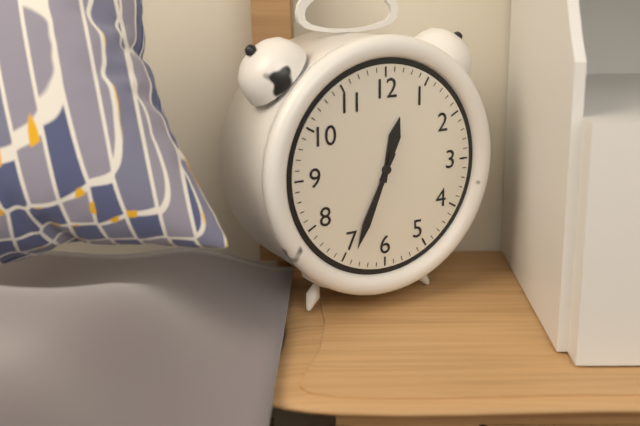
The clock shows 12.34
